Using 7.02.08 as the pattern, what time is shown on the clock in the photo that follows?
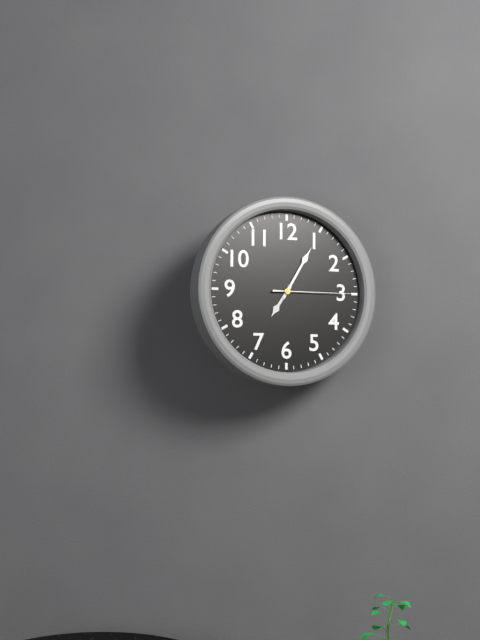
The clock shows 7.05.15
